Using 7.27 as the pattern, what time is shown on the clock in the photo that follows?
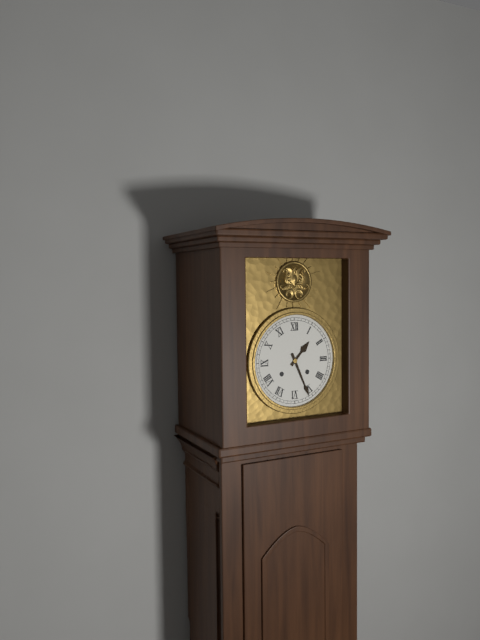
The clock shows 1.26
